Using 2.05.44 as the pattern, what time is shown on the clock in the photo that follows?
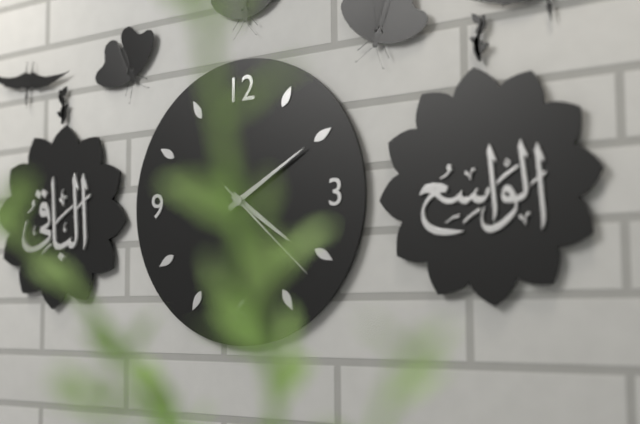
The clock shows 4.10.22
